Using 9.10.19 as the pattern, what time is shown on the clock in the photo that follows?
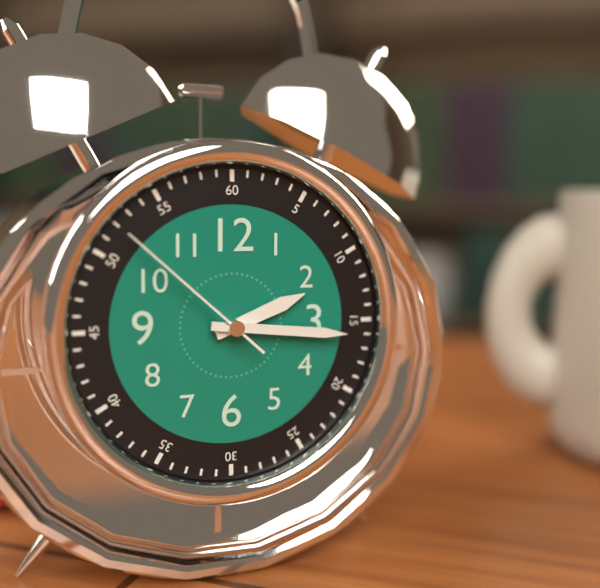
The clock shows 2.16.52
